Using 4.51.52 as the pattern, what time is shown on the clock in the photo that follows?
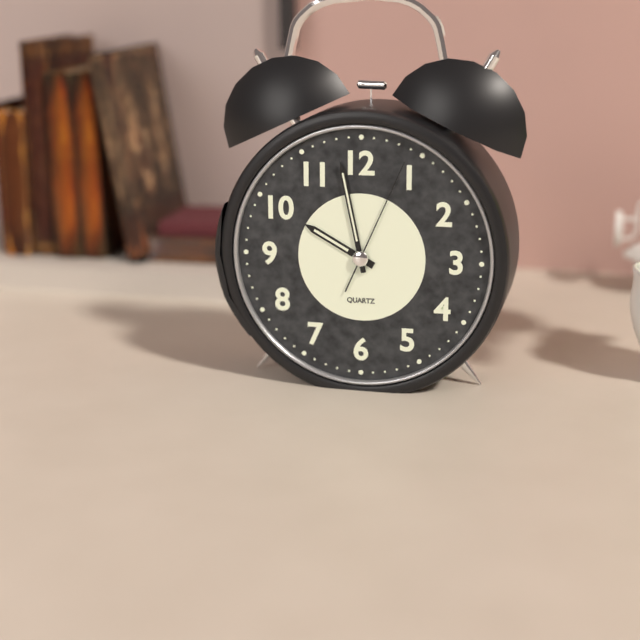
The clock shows 9.58.04
